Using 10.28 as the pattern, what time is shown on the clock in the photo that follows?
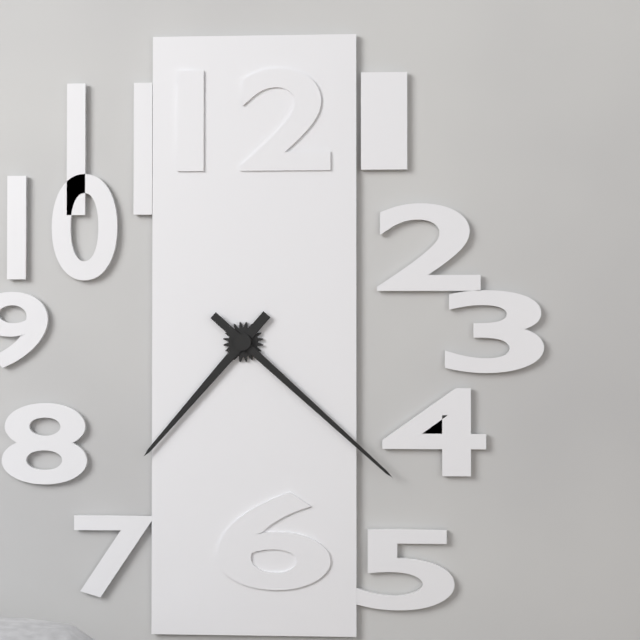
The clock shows 7.22
